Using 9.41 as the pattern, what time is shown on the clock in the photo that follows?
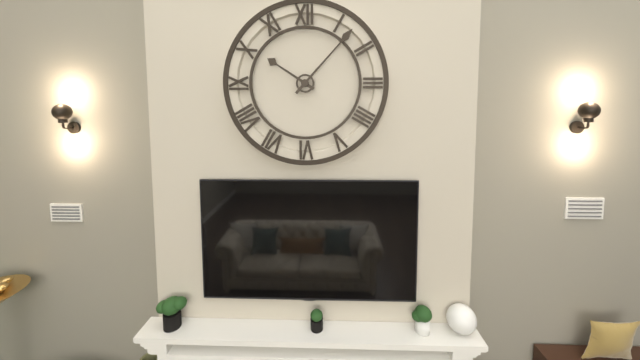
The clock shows 10.07
